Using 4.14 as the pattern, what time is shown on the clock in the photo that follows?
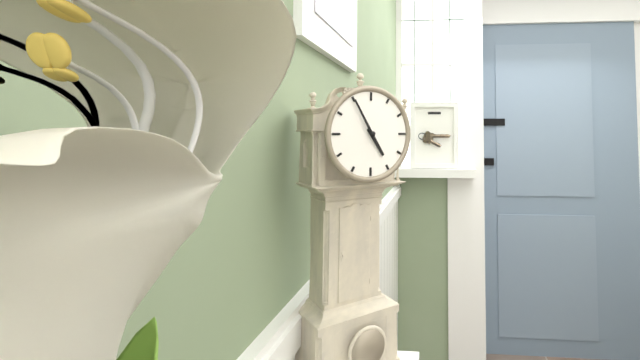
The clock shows 4.55
